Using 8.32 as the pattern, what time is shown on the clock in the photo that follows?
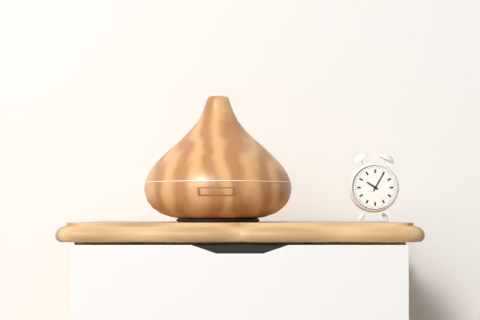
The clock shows 10.05
